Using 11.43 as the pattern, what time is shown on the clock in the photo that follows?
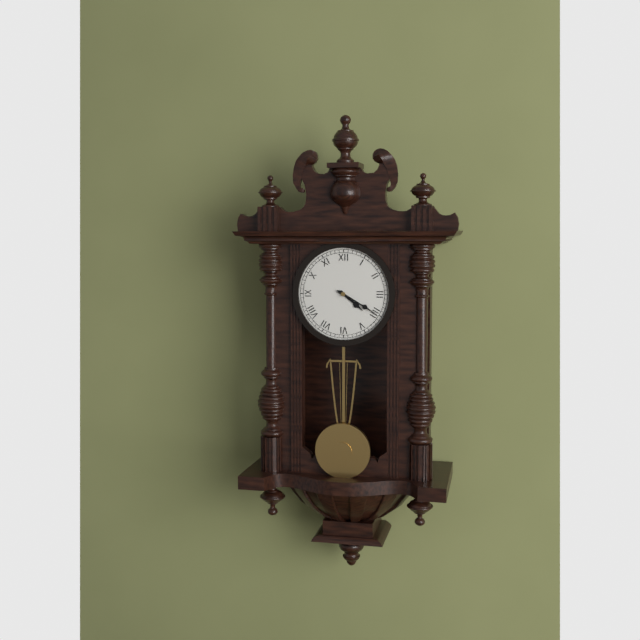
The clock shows 4.20
